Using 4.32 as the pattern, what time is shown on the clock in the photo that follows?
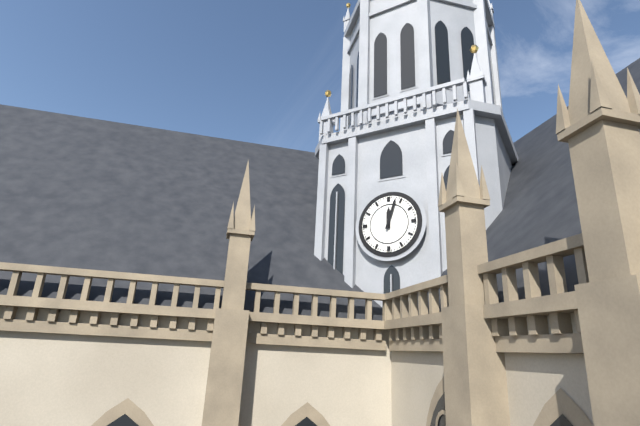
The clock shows 12.03
